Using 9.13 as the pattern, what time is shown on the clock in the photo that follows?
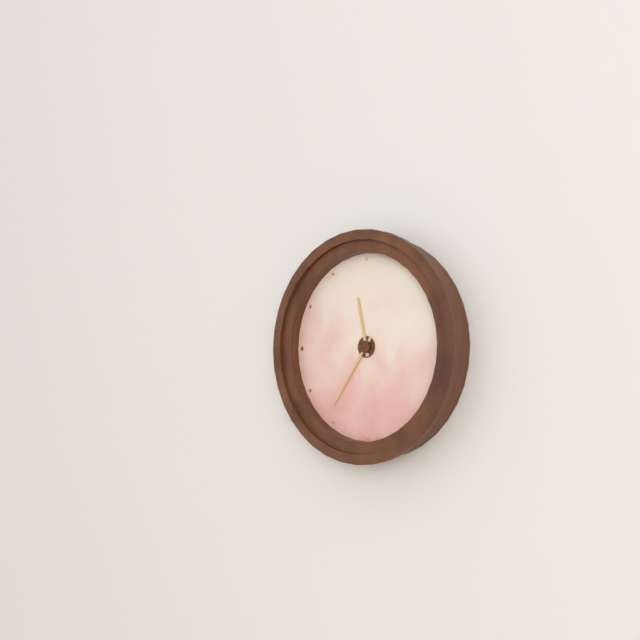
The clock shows 11.36
